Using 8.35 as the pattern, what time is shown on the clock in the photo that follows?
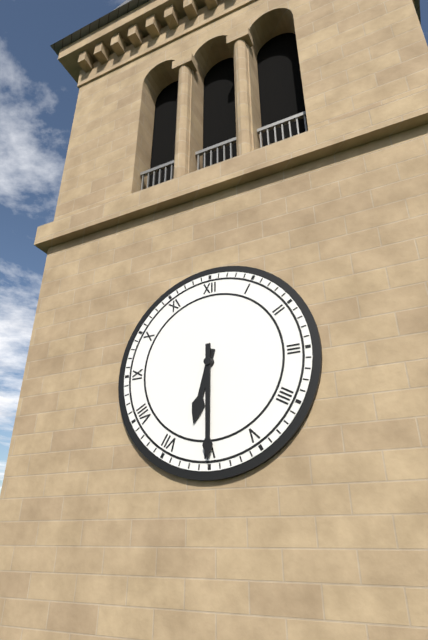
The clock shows 6.30
